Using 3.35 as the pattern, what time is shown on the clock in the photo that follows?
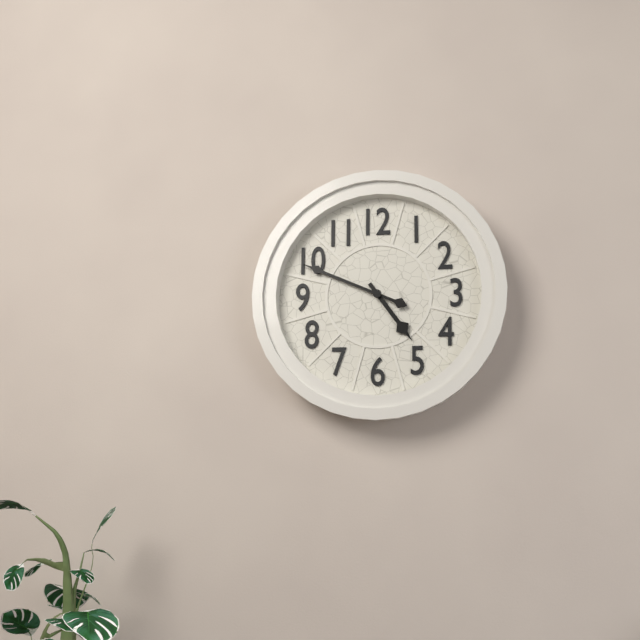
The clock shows 4.49
